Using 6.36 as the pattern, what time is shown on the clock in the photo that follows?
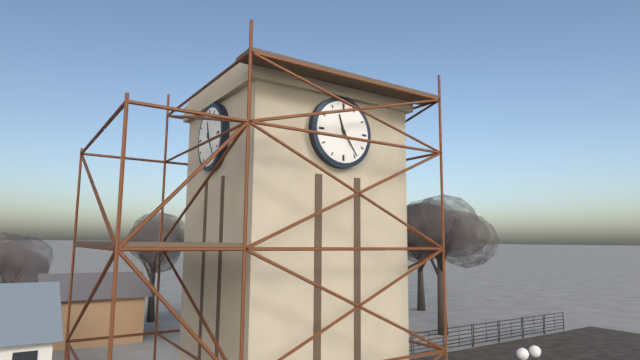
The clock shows 11.24
